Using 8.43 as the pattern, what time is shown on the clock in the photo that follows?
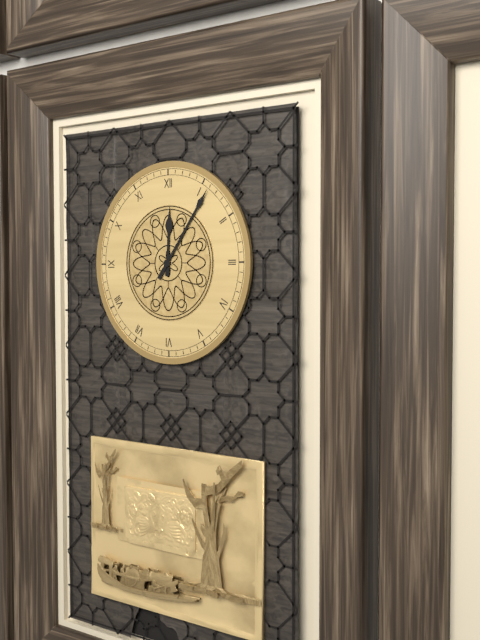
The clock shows 12.06
